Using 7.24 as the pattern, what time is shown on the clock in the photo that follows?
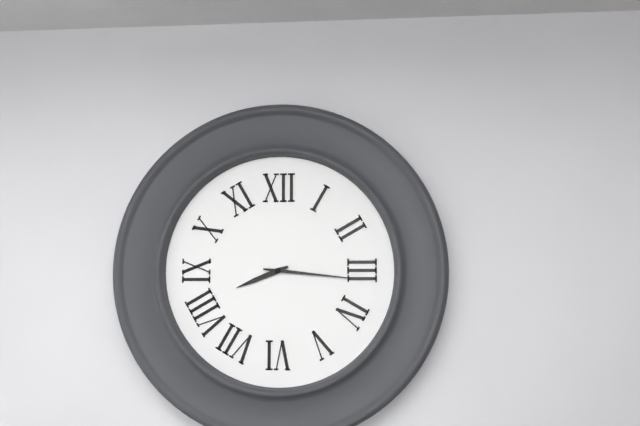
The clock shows 8.16
